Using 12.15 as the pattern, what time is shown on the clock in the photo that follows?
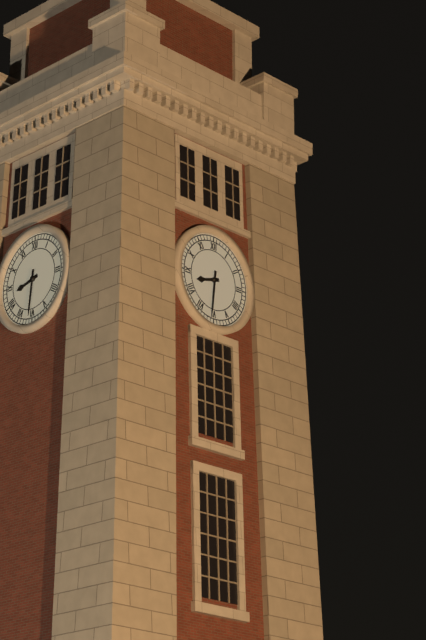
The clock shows 8.31
